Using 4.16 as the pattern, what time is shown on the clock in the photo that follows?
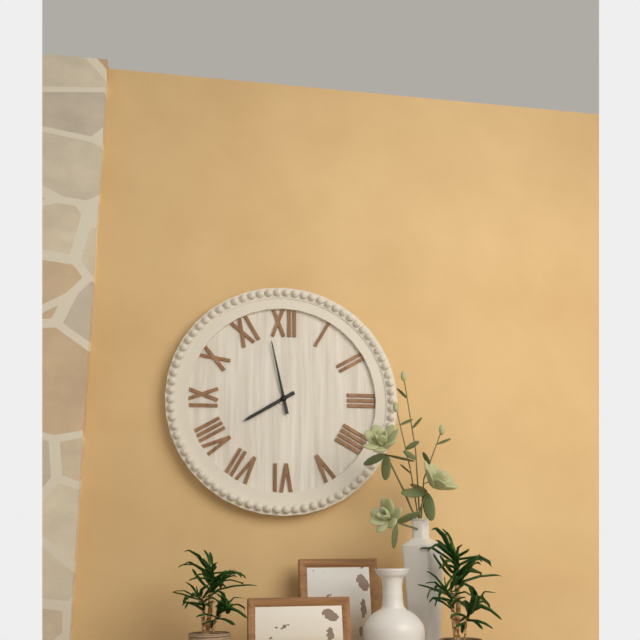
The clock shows 7.58
